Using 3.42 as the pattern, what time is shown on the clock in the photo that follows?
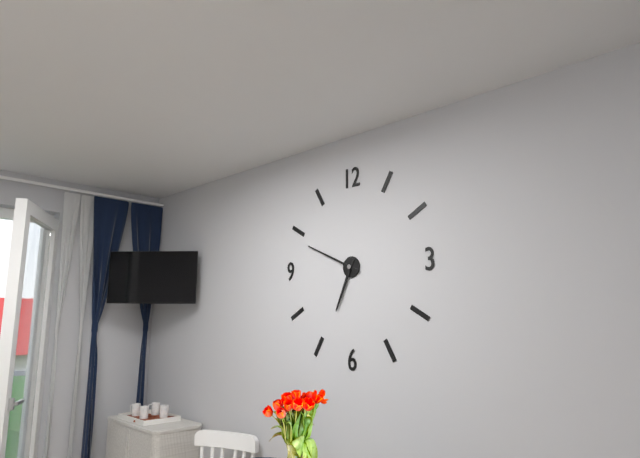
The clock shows 6.49
